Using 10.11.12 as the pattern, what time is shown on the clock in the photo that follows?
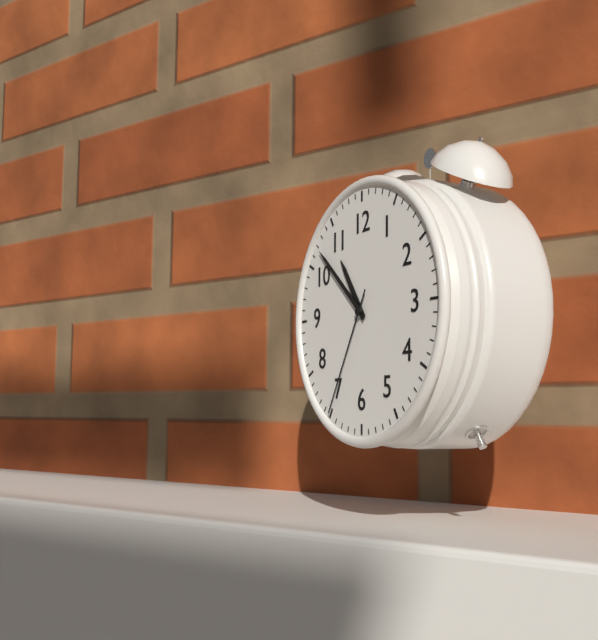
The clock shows 10.52.35
